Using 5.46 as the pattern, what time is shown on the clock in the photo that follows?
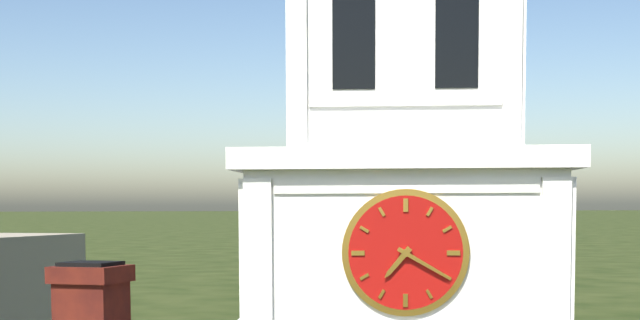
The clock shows 7.20
